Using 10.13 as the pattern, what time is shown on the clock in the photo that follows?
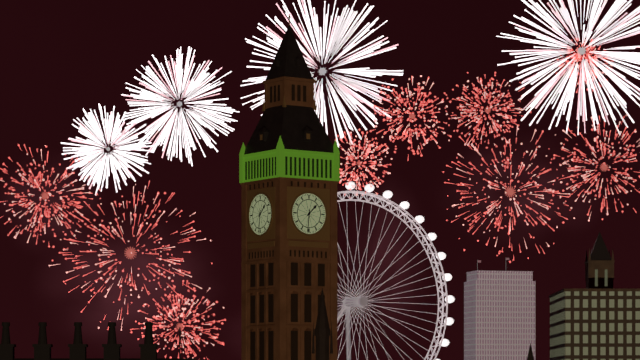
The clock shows 1.31
